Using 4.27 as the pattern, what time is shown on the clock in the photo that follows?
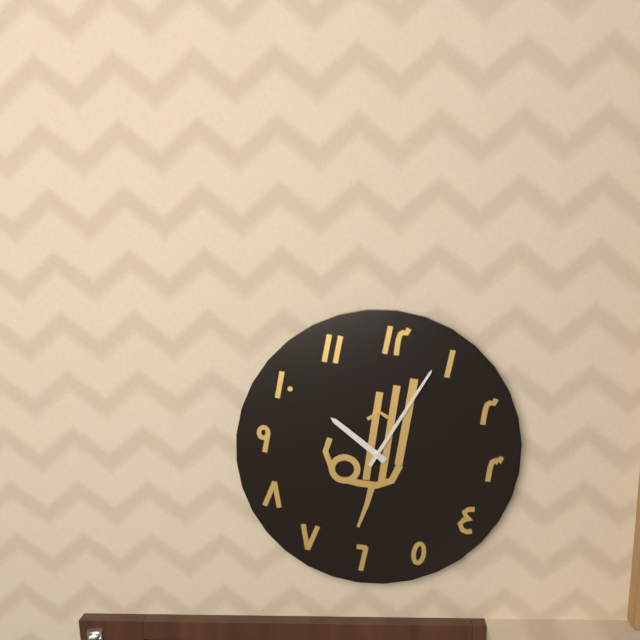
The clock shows 10.04
